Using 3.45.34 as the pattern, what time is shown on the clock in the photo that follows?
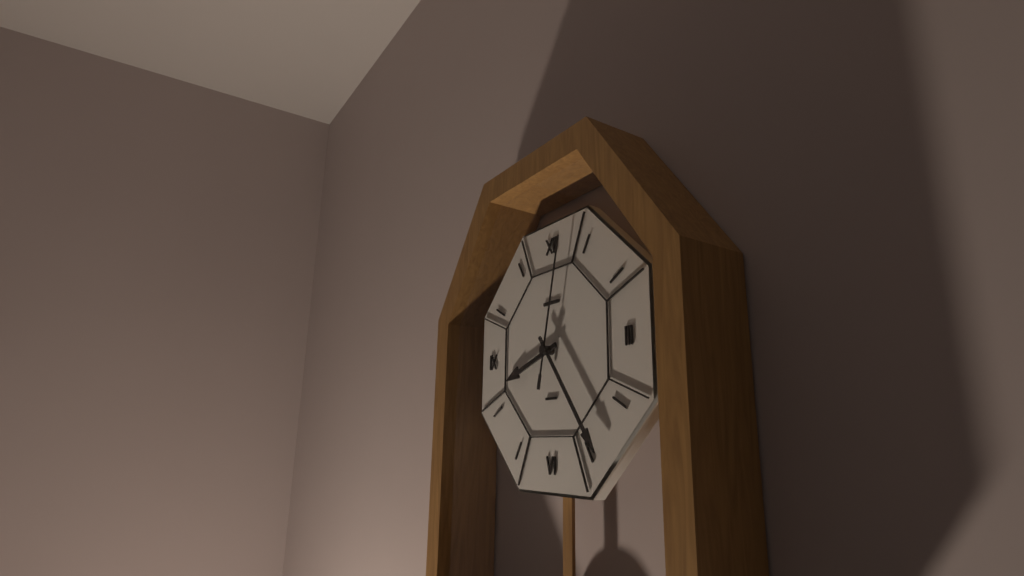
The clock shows 8.24.02
